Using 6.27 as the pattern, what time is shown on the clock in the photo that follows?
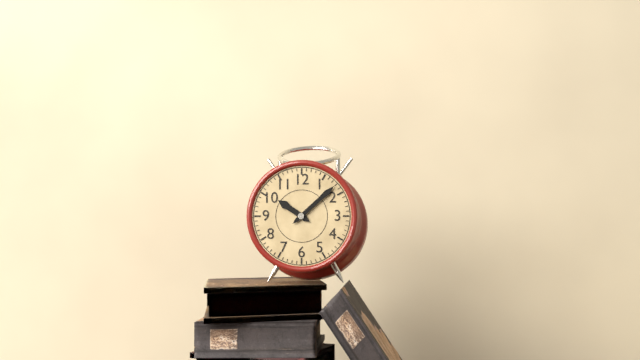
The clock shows 10.08
